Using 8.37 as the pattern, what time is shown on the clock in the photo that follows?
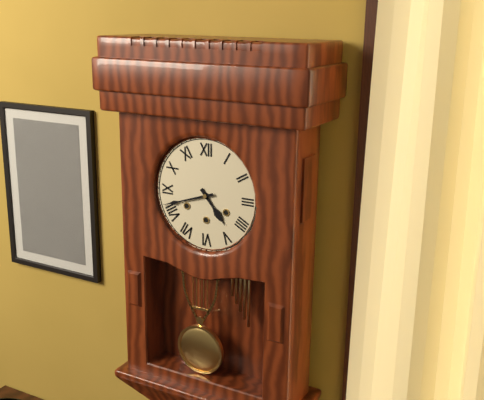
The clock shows 4.42
